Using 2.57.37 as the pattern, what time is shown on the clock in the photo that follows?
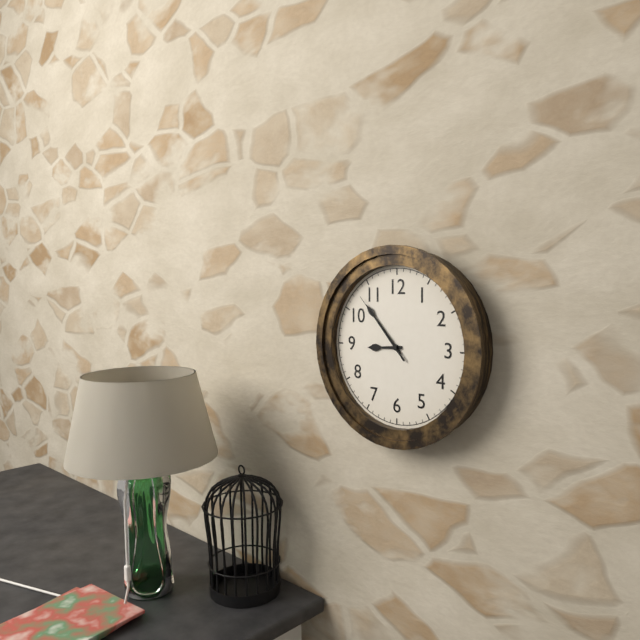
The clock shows 8.53.53
